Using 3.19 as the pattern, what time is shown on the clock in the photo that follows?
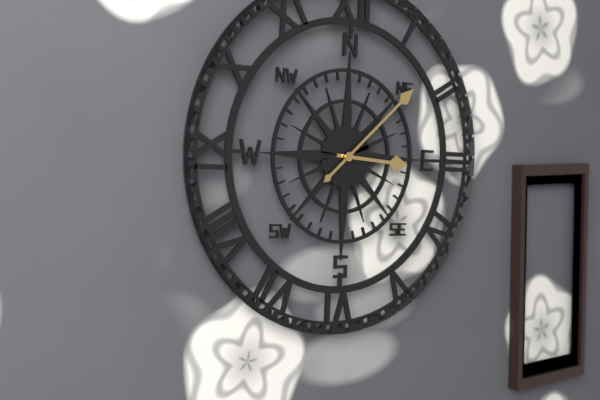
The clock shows 3.08
